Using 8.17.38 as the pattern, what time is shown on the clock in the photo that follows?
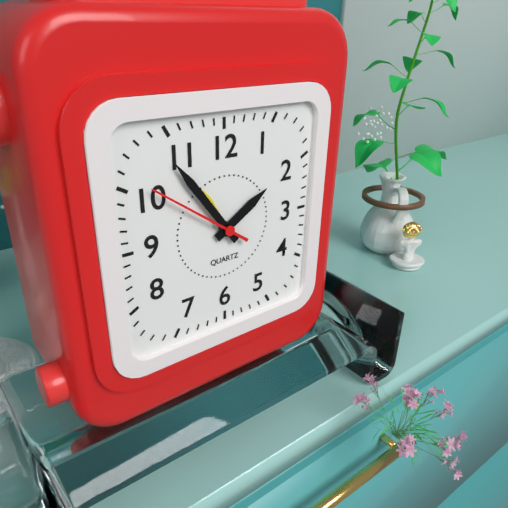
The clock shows 1.54.51
